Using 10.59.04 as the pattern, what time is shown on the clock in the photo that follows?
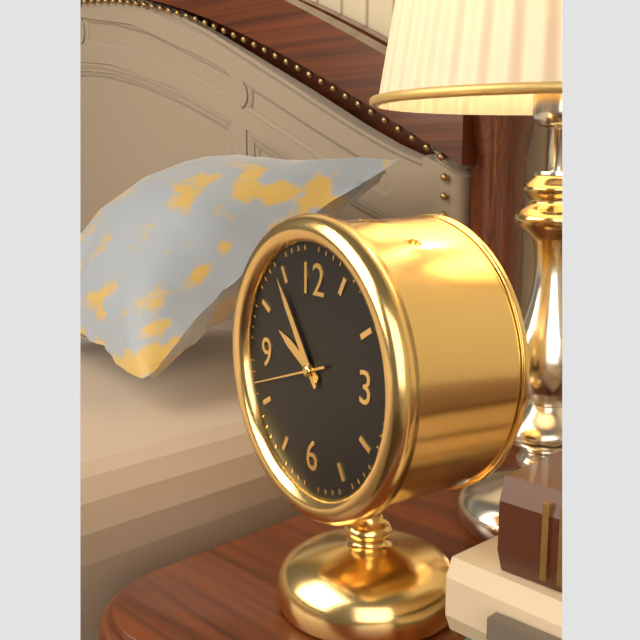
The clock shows 9.54.42
